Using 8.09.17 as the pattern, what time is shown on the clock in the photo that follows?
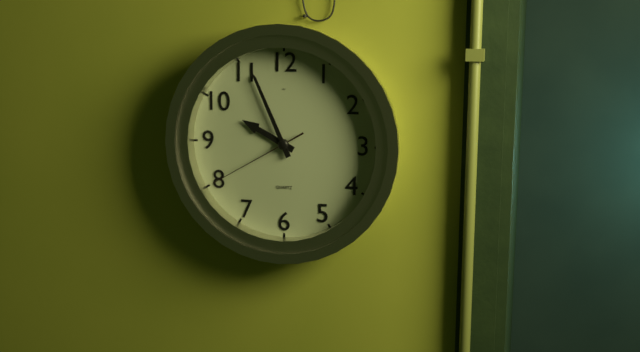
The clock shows 9.56.40
